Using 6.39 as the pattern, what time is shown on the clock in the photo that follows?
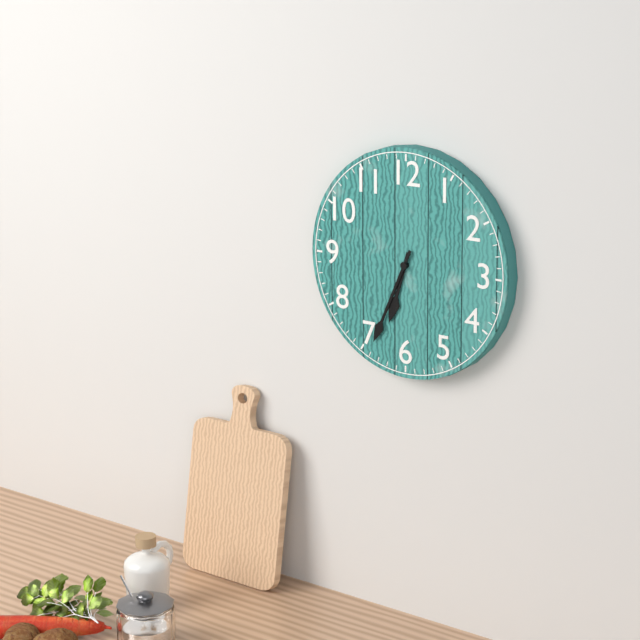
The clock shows 6.34
